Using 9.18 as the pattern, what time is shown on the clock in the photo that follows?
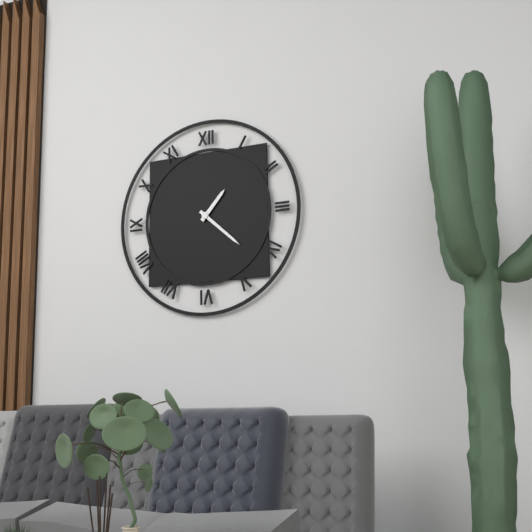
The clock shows 1.22
